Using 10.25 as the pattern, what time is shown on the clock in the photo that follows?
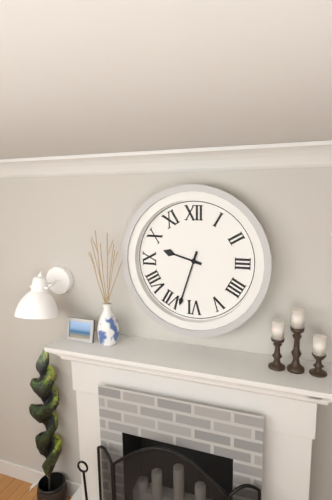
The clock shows 9.33
